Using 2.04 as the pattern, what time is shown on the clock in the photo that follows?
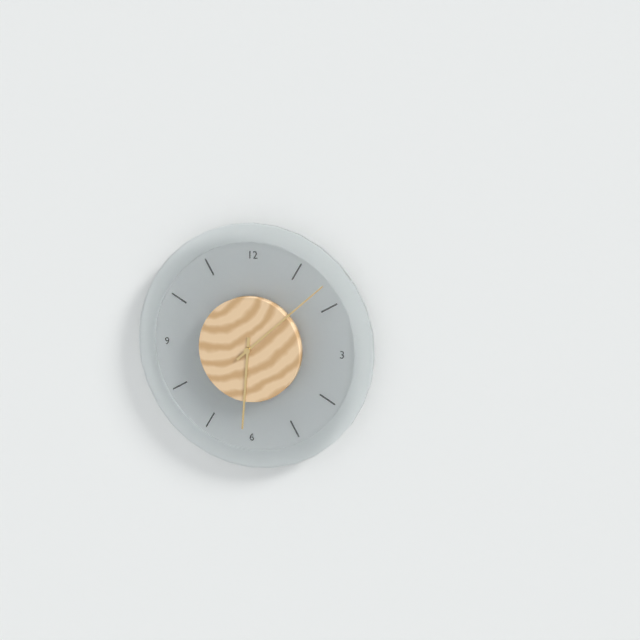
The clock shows 6.08
